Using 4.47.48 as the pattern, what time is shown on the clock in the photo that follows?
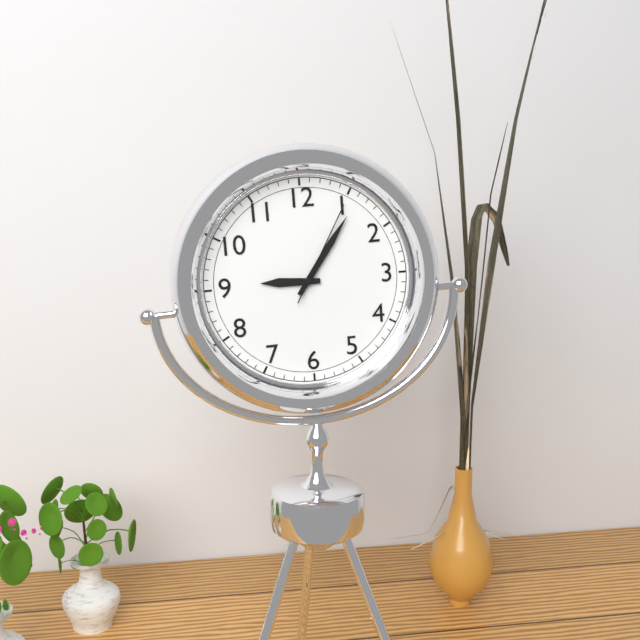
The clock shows 9.06.05
